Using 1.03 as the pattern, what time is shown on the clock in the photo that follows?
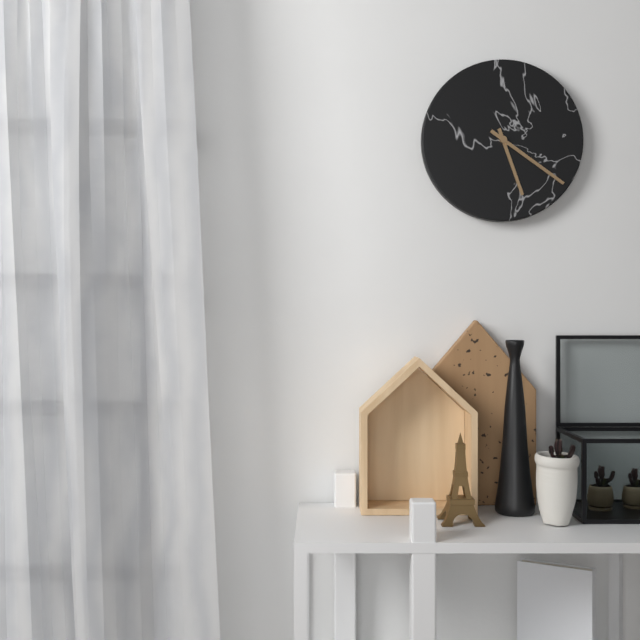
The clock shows 5.21
